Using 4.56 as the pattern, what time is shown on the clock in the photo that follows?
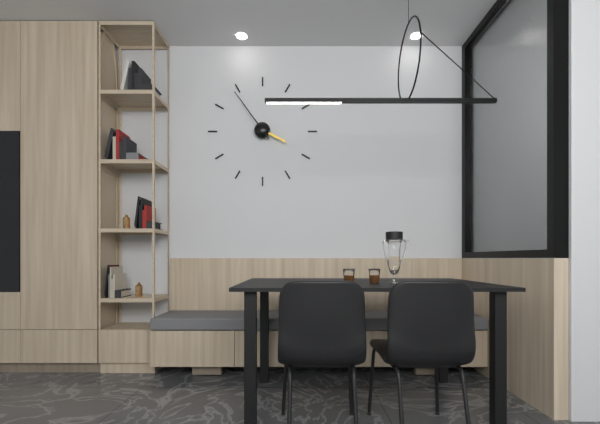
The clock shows 3.54
